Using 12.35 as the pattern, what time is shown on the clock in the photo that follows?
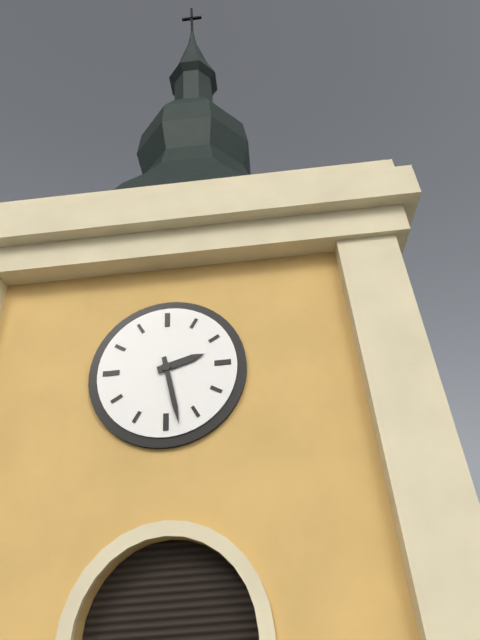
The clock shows 2.28
